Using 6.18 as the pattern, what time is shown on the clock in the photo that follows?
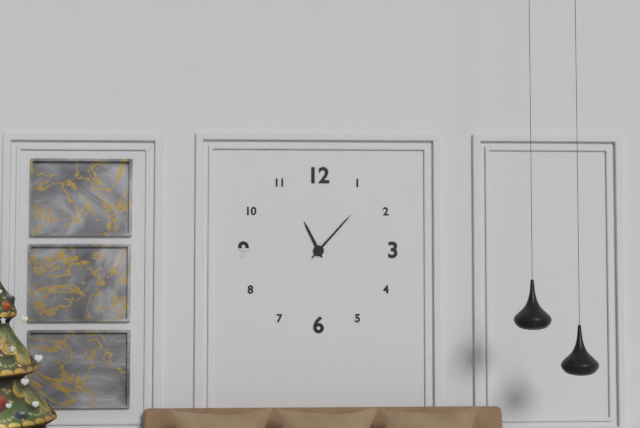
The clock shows 11.07
